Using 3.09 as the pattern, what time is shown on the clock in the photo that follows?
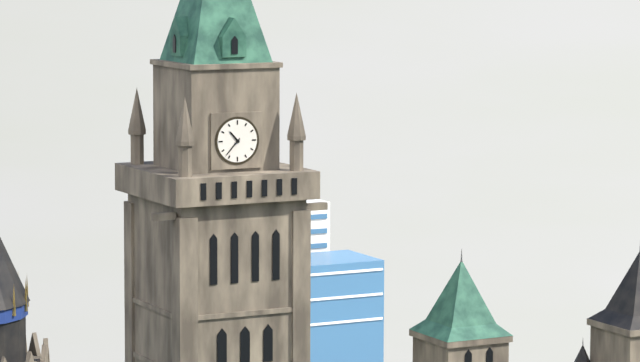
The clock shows 10.37
